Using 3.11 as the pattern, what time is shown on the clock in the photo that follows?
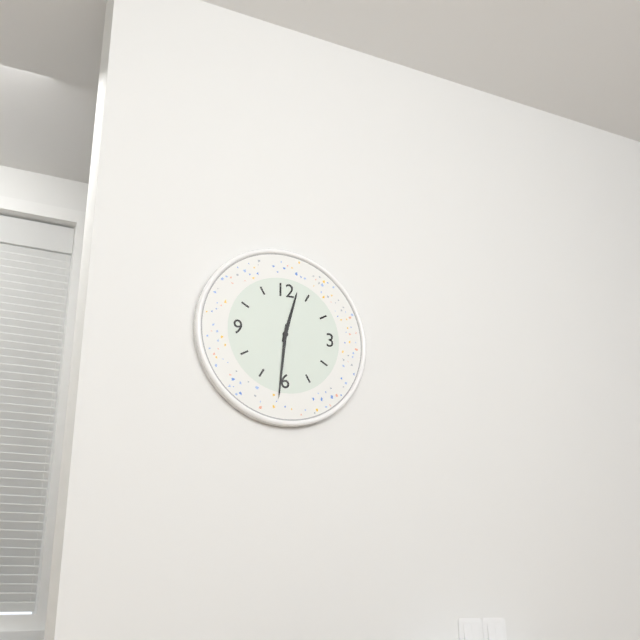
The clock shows 12.31
